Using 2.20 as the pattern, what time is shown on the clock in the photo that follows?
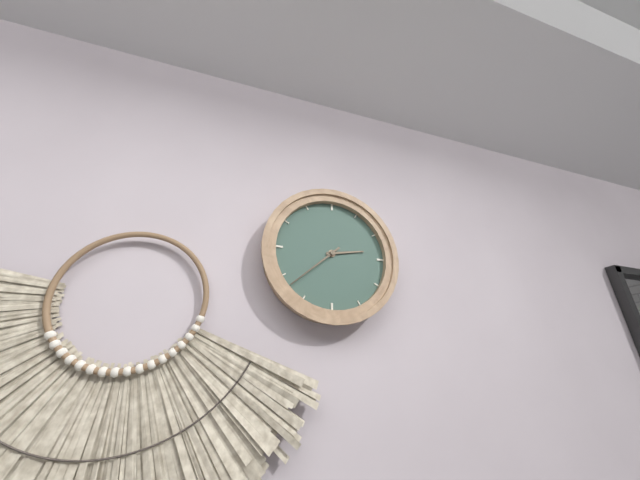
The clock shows 2.38
